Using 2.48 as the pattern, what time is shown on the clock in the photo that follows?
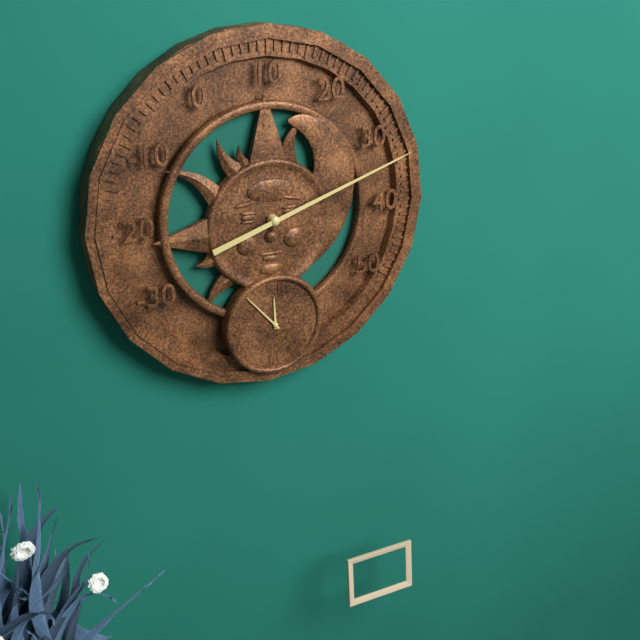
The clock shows 11.53
